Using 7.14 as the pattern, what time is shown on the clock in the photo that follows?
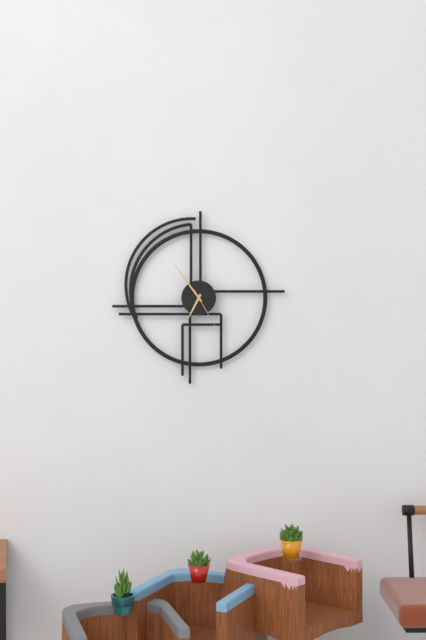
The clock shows 6.54
